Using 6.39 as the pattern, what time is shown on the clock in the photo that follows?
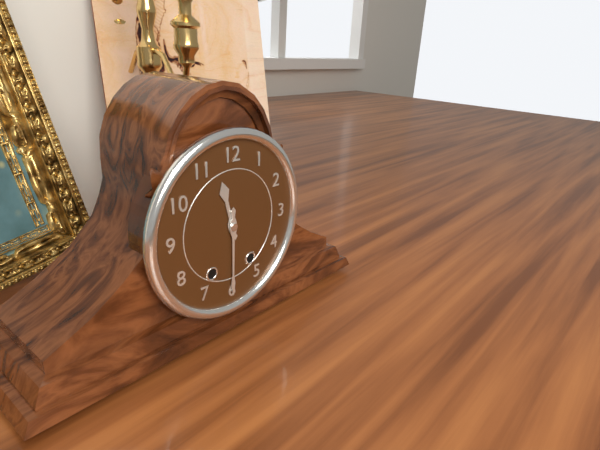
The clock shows 11.30
